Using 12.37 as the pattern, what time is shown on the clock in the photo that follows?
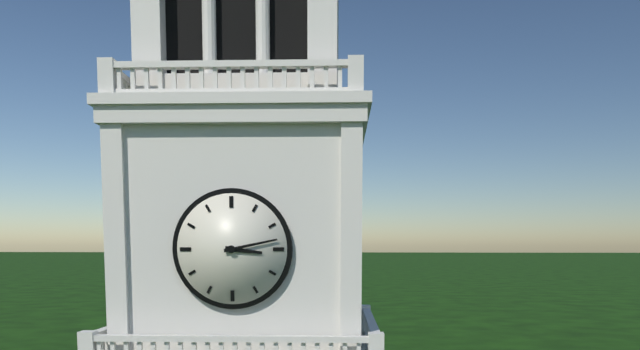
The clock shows 3.13
